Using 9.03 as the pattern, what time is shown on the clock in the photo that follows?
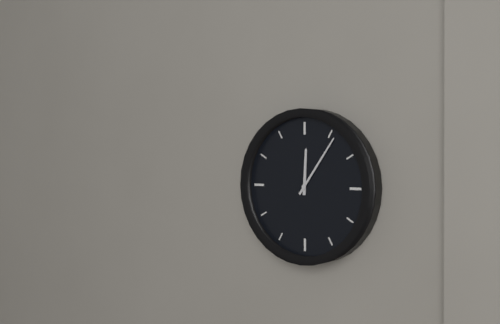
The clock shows 12.06
